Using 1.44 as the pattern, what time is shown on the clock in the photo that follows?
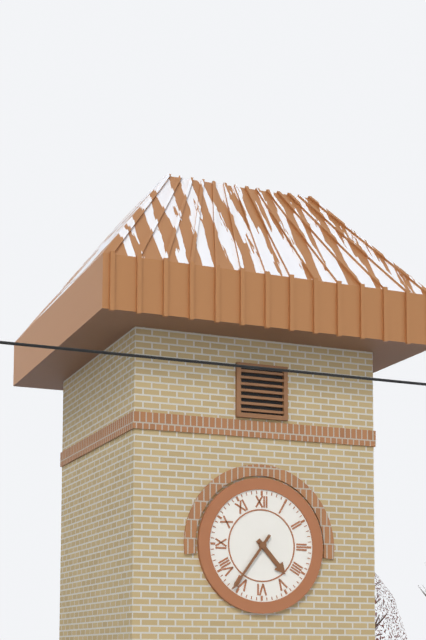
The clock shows 4.36
